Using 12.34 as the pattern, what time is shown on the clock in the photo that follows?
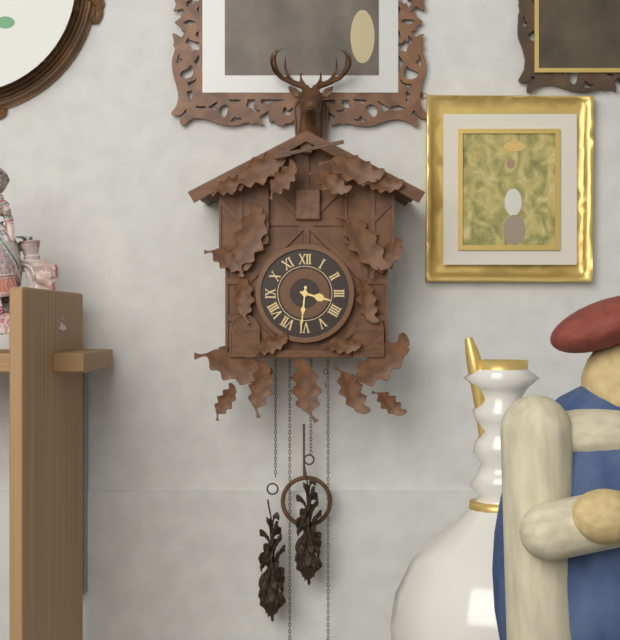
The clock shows 3.31
